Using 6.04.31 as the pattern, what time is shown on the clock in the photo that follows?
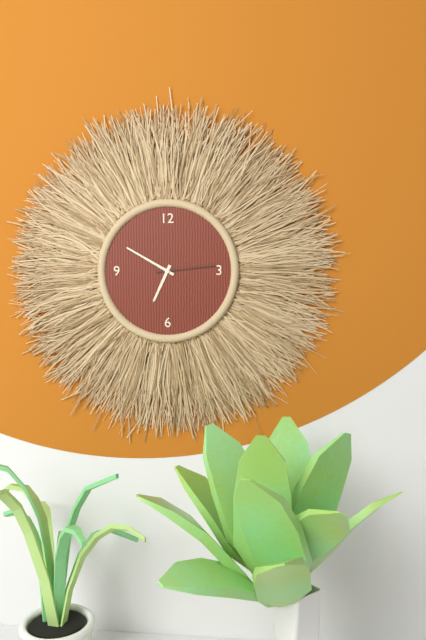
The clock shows 6.50.14
